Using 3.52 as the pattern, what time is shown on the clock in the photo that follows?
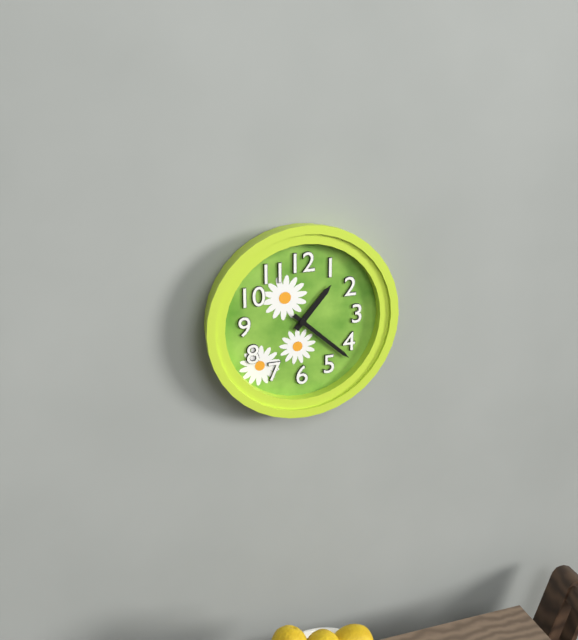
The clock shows 1.22
